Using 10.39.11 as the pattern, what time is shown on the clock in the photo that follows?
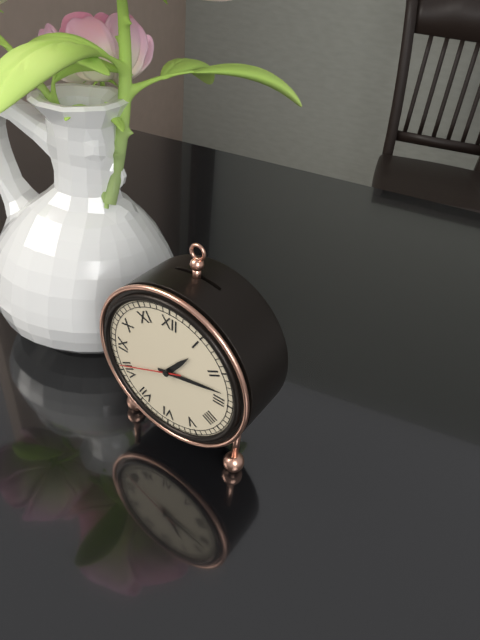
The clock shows 1.13.41
